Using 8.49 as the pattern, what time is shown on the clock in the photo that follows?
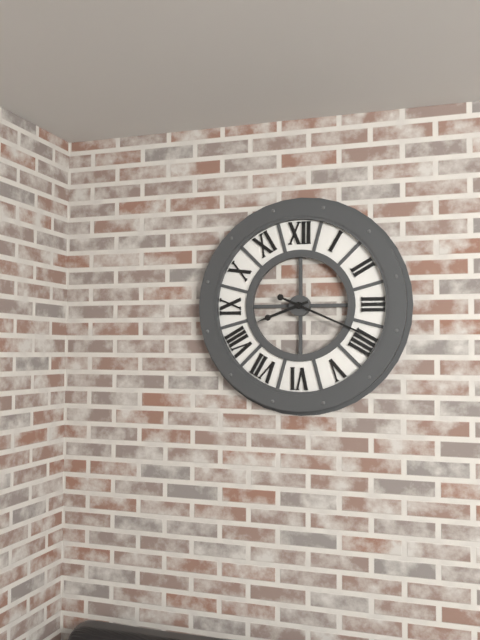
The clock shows 8.19
